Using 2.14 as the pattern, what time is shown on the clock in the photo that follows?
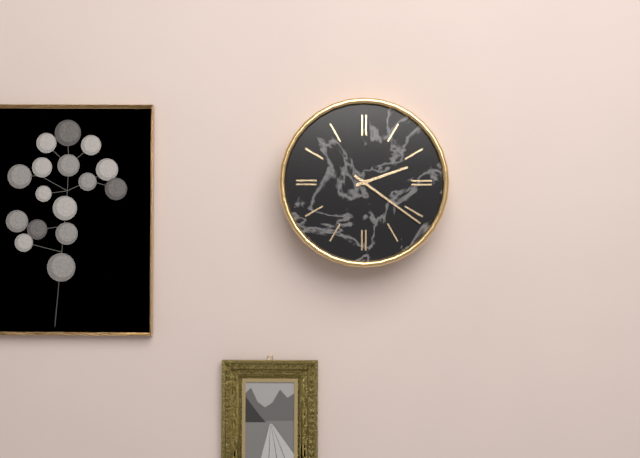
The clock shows 2.21
